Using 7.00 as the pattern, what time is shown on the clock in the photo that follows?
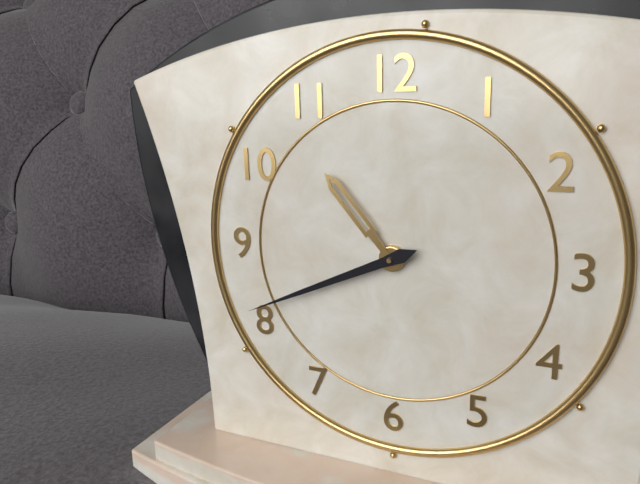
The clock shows 10.41
